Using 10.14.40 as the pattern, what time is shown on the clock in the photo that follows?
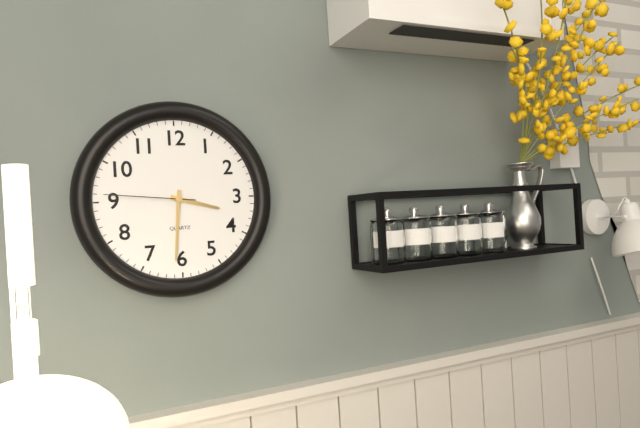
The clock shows 3.31.46
